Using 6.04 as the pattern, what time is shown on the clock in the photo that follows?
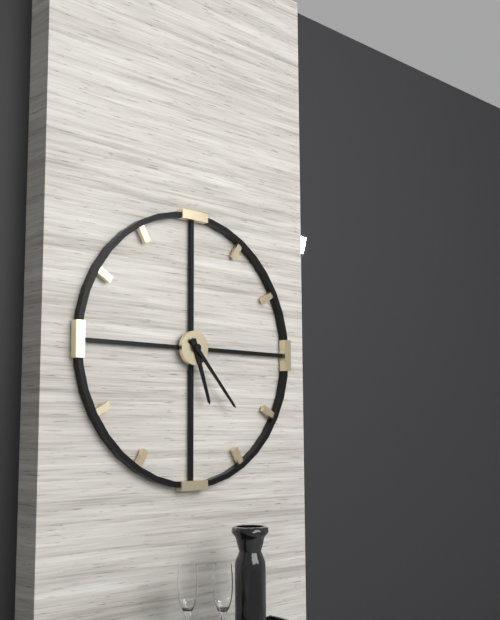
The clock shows 5.23
